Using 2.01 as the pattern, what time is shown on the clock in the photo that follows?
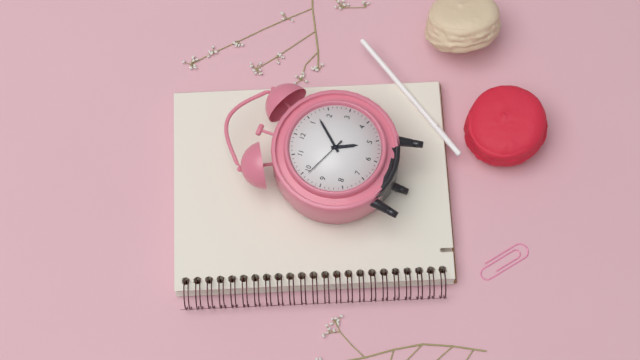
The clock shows 5.07
